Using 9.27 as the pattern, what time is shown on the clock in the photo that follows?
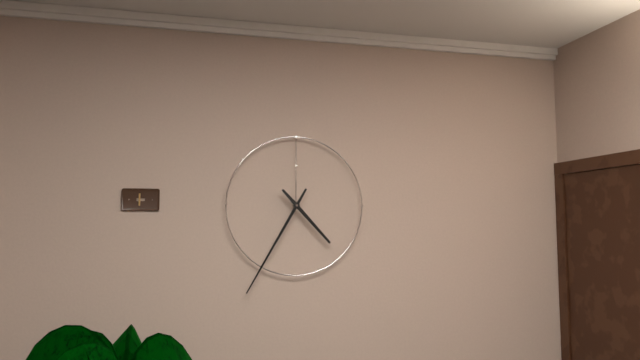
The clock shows 4.35
